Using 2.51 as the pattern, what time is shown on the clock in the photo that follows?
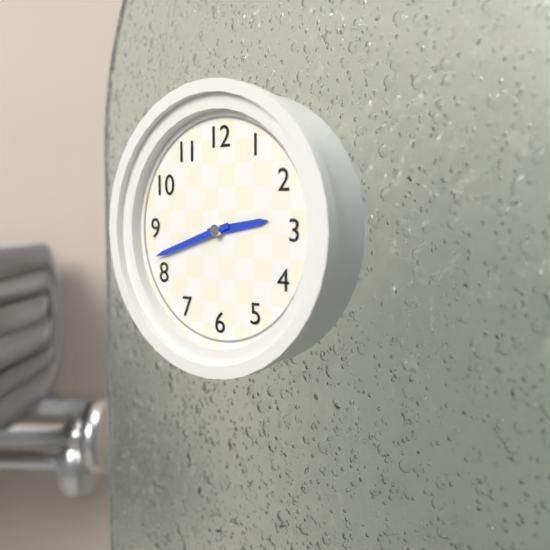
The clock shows 2.42
